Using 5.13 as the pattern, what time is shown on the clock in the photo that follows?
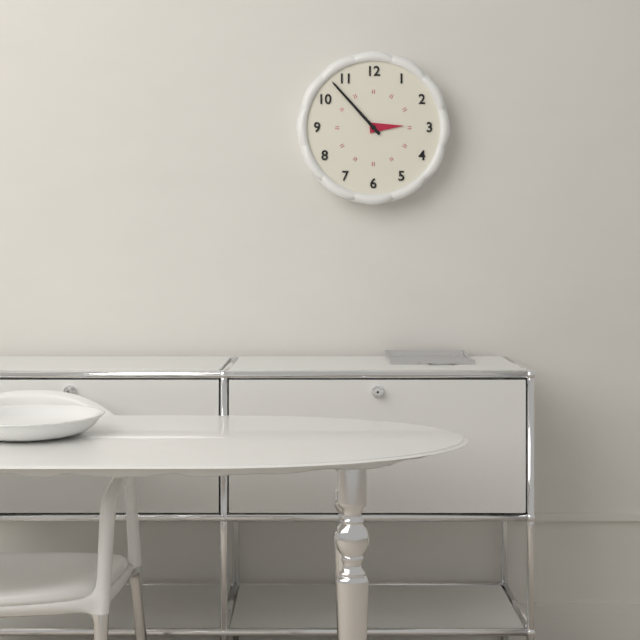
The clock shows 2.53
